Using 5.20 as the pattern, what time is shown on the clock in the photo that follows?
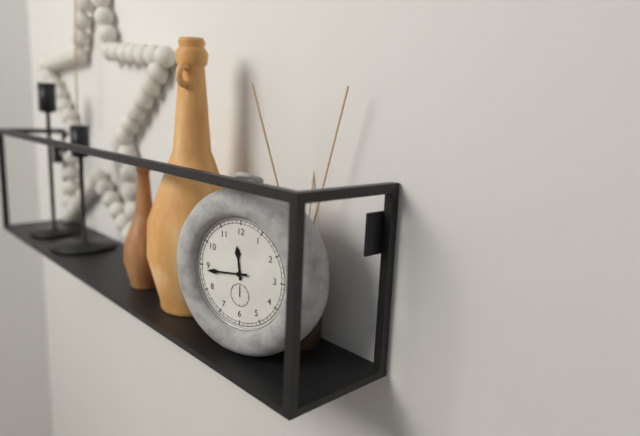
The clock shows 11.44
